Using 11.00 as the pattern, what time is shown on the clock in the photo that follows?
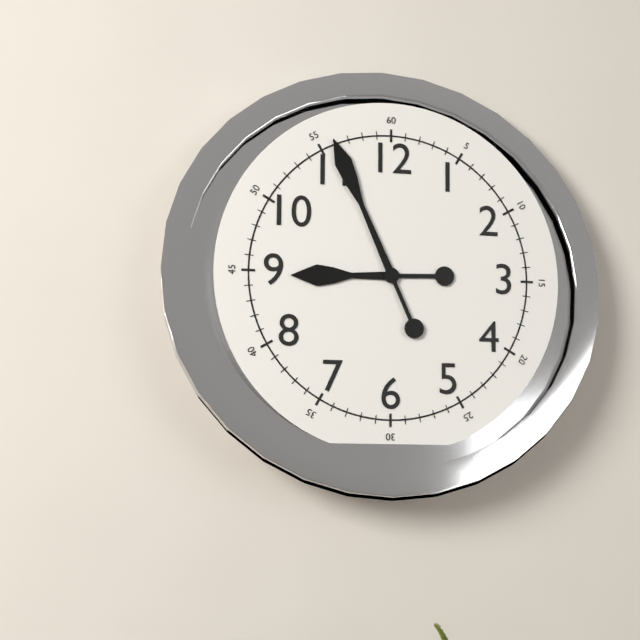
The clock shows 8.56
